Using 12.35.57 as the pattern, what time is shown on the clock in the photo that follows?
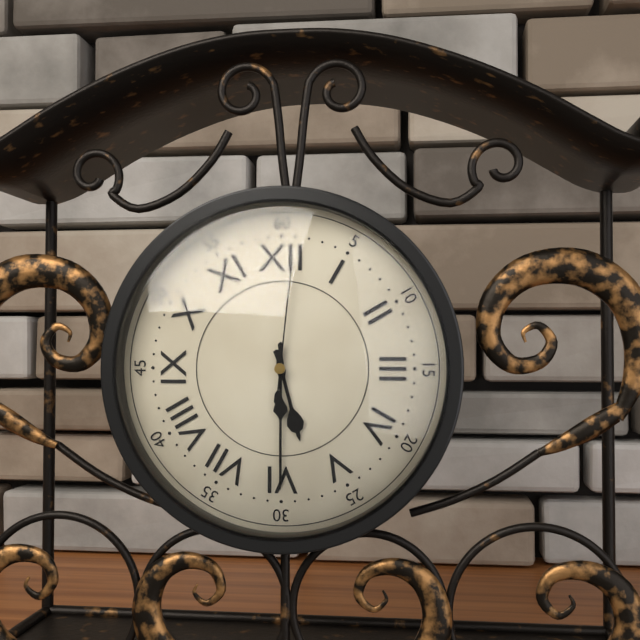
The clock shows 5.30.01
